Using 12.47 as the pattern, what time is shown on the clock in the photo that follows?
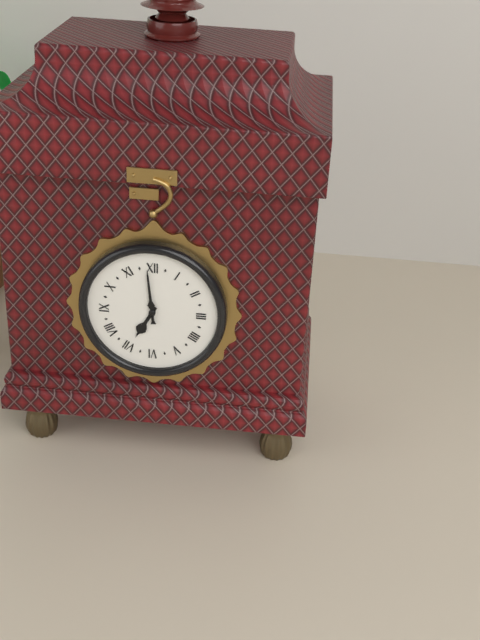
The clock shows 6.59
